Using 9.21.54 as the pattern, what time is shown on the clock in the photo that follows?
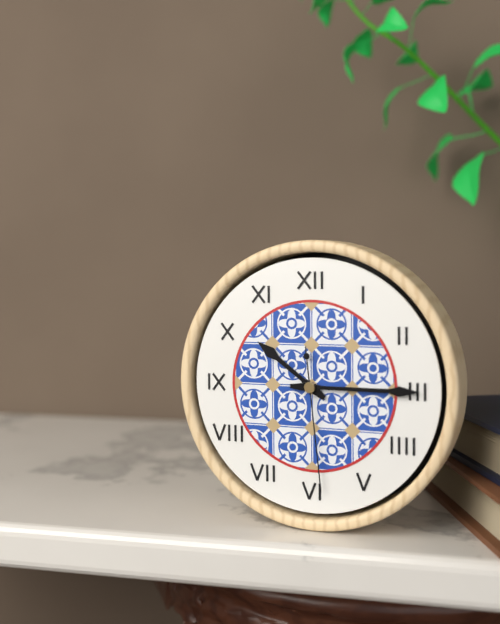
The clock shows 10.15.29
